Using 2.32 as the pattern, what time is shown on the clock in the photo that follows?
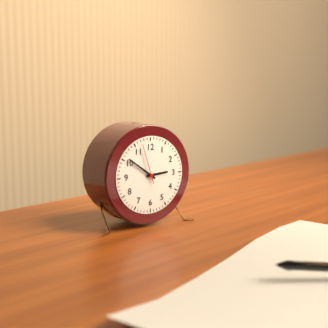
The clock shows 2.51
